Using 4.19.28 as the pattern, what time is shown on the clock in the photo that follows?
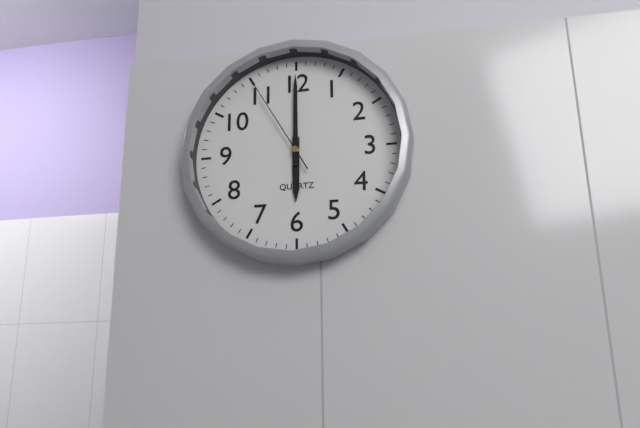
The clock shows 6.00.55
